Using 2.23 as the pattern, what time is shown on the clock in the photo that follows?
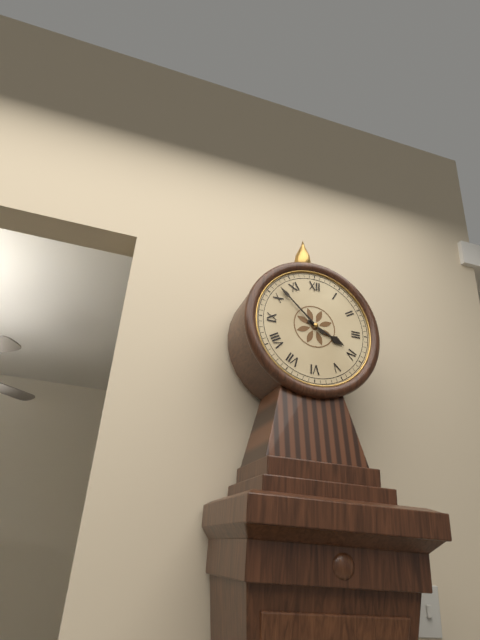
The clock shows 3.52
